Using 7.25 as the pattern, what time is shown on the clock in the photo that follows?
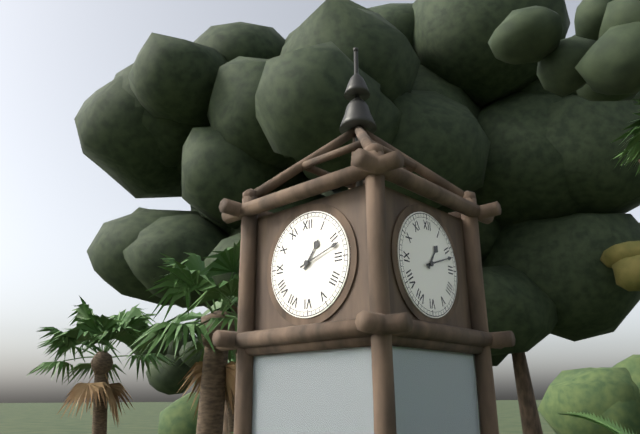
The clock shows 1.12
